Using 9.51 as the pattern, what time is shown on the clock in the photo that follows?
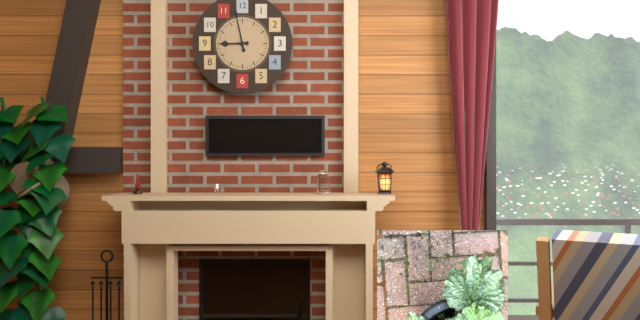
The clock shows 8.58
